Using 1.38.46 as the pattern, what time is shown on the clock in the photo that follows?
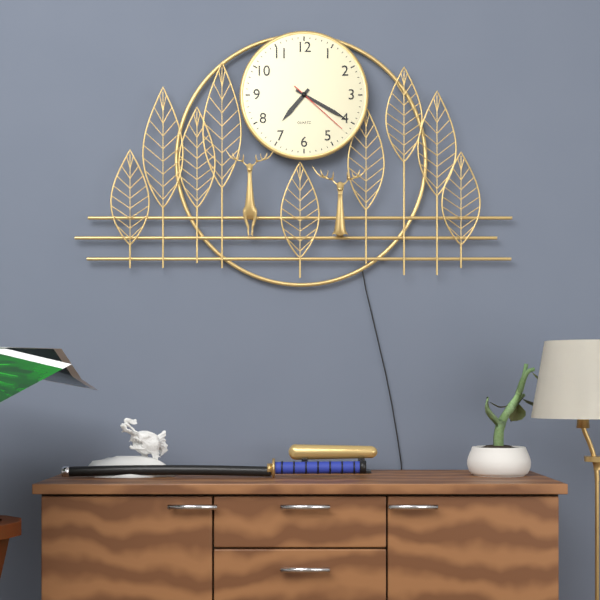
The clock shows 7.20.22
